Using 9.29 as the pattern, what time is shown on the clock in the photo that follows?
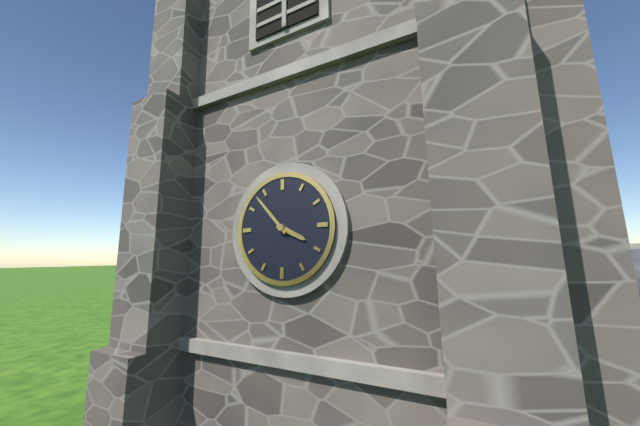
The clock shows 3.53
